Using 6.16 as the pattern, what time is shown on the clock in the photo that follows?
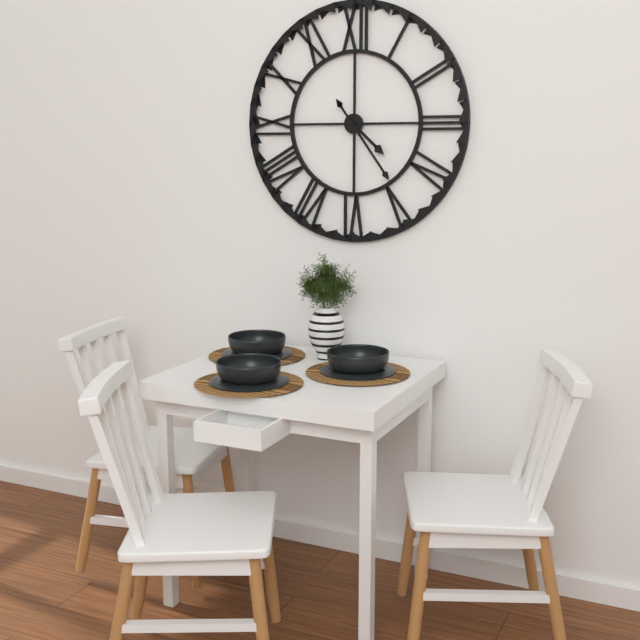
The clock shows 4.24
